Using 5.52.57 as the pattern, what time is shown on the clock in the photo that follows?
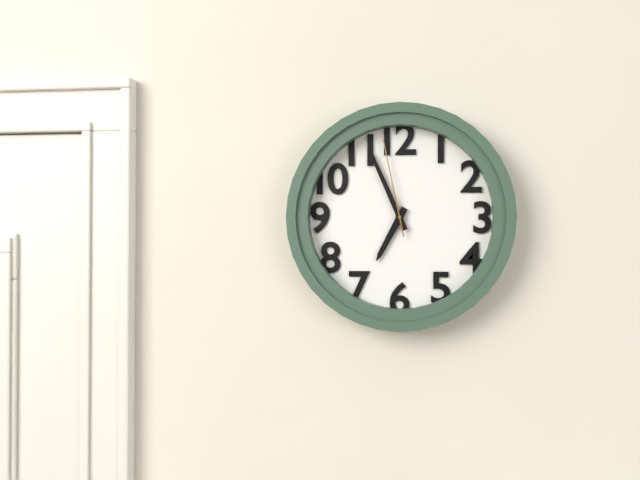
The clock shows 6.56.58
